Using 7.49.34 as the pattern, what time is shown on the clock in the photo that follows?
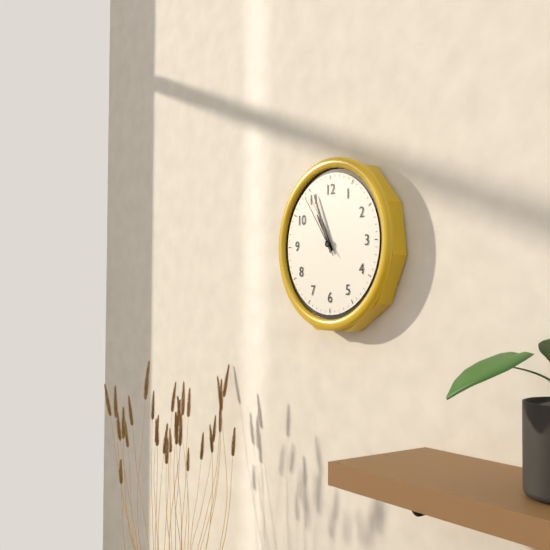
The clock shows 10.56.54
